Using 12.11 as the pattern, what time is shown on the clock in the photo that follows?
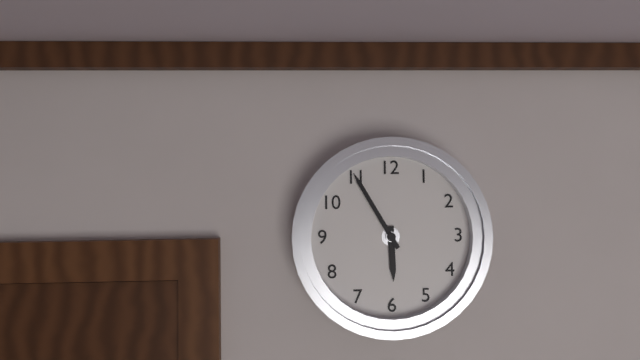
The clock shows 5.55
